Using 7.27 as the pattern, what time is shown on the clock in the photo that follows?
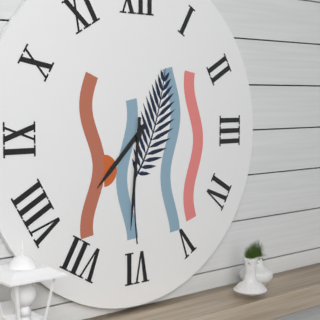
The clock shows 7.31
